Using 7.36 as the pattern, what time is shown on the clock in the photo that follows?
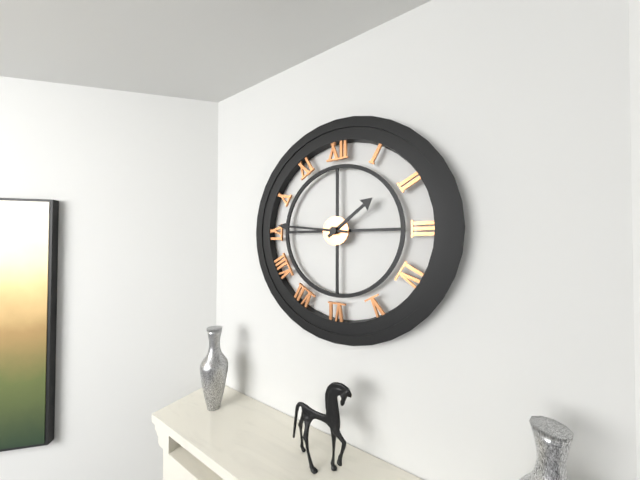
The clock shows 1.46
